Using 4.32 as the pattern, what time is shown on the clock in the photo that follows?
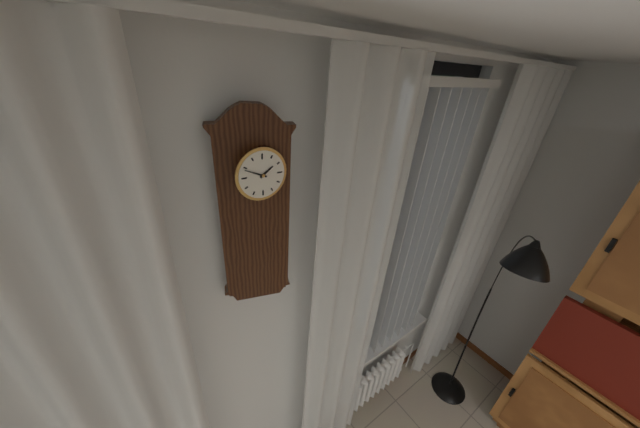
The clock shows 1.49
